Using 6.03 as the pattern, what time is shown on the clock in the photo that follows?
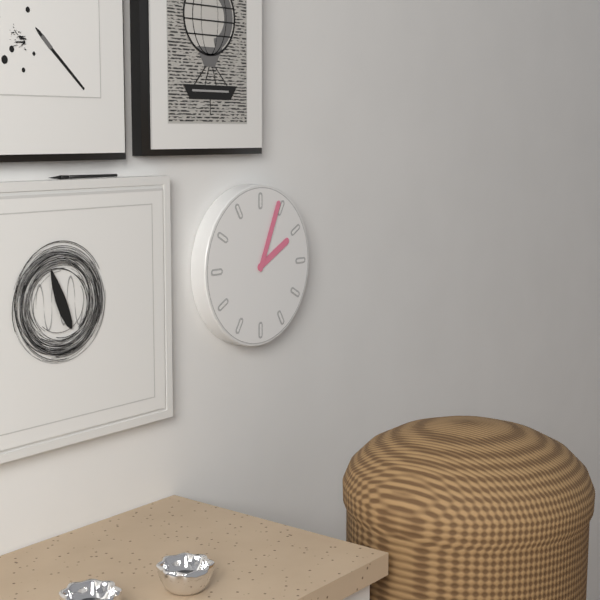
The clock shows 2.04
